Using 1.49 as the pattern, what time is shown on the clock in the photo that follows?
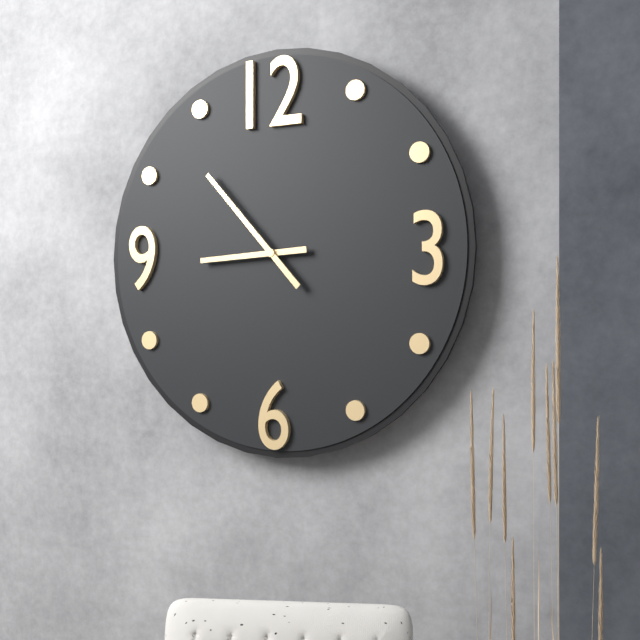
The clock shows 8.53
